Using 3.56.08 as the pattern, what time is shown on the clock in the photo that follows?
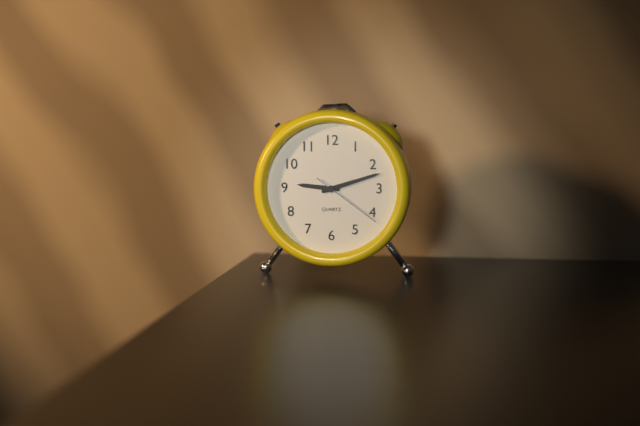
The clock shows 9.12.21
